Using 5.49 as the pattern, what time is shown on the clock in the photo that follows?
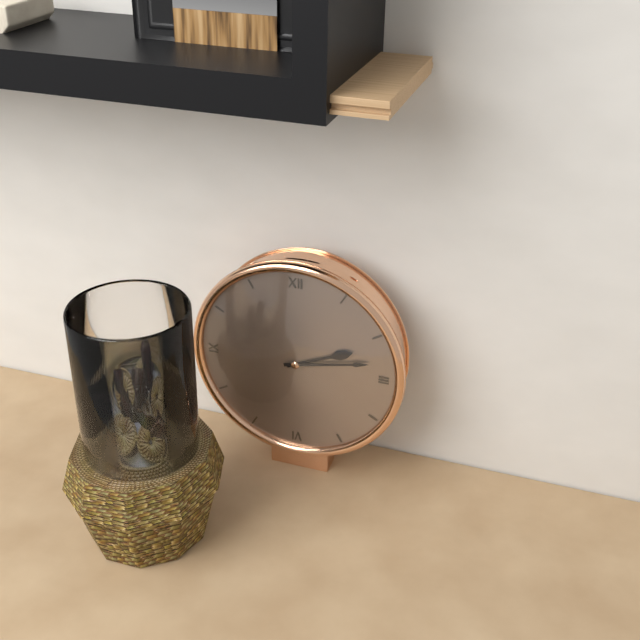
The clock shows 2.13
